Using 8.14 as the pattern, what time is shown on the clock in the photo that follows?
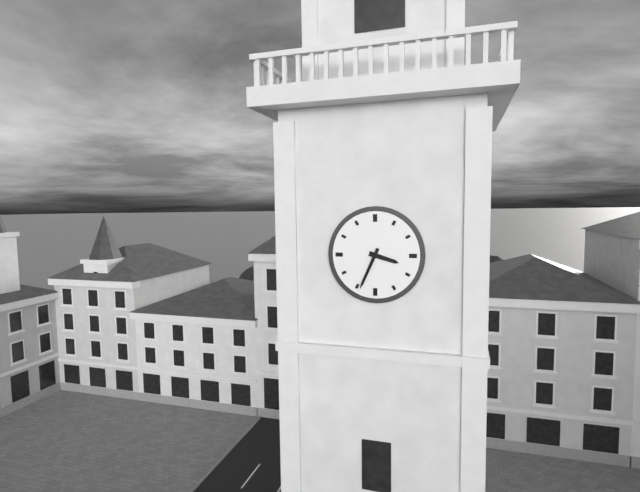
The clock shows 3.34
